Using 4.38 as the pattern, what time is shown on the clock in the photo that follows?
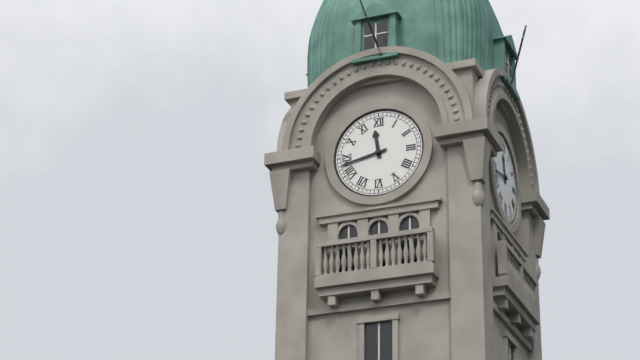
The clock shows 11.43
